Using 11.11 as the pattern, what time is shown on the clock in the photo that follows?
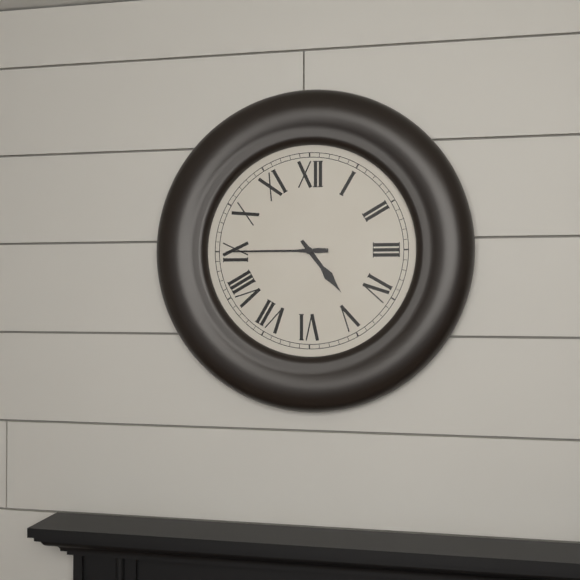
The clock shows 4.45
